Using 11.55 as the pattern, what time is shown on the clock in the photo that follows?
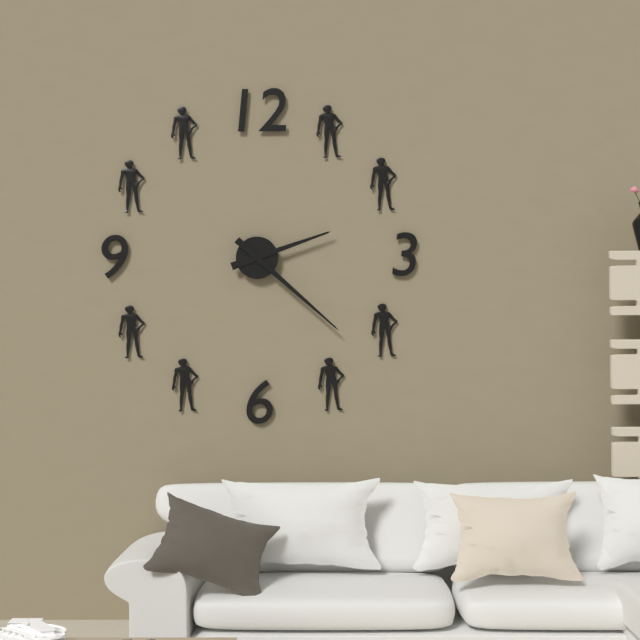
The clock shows 2.22
